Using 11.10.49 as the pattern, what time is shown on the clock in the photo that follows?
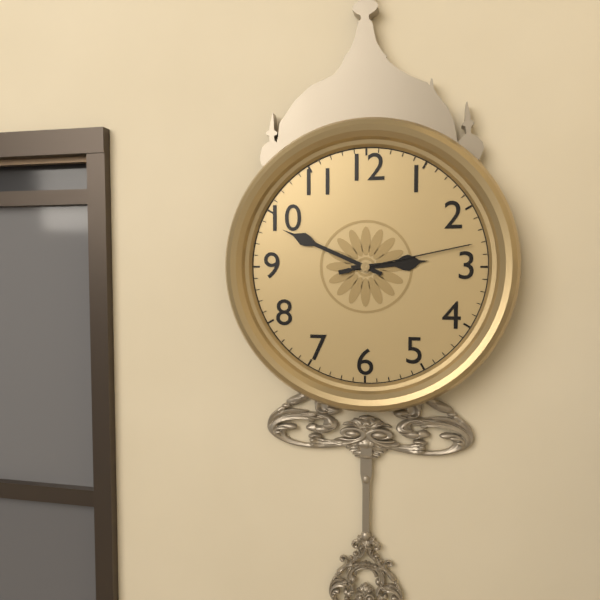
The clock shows 2.49.13
